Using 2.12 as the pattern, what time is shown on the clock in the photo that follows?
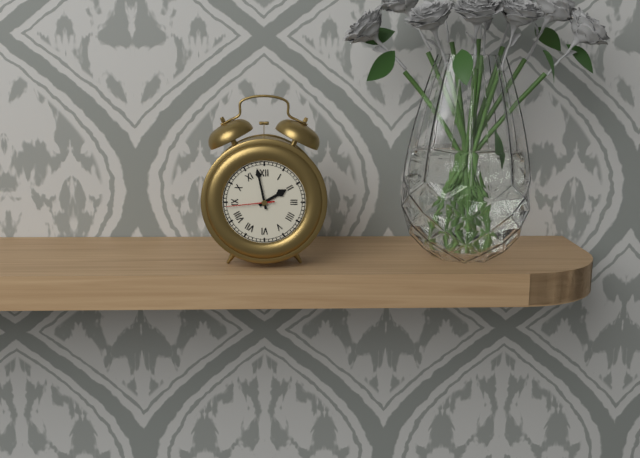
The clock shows 1.58
